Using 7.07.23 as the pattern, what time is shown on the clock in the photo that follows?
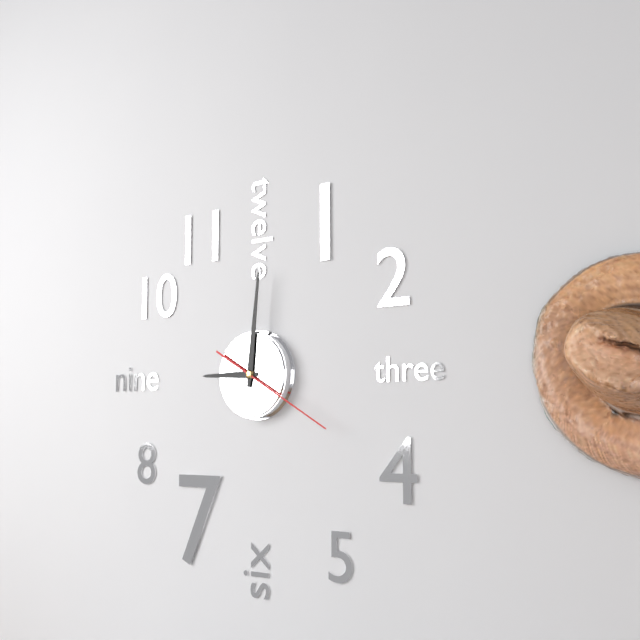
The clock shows 9.01.20
